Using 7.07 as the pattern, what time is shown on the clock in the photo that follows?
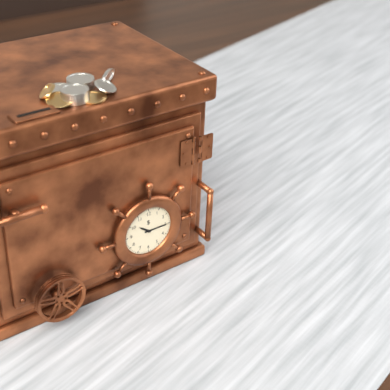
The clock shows 10.15
